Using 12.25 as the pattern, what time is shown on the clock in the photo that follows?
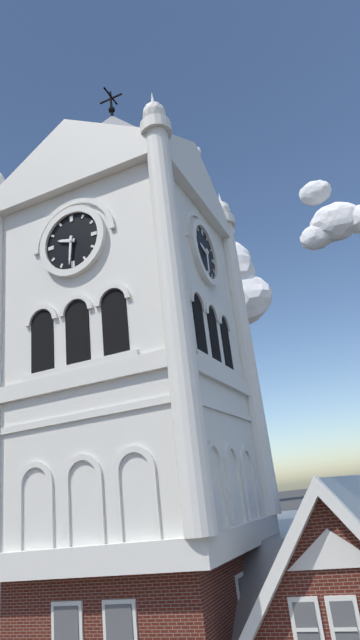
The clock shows 9.31
